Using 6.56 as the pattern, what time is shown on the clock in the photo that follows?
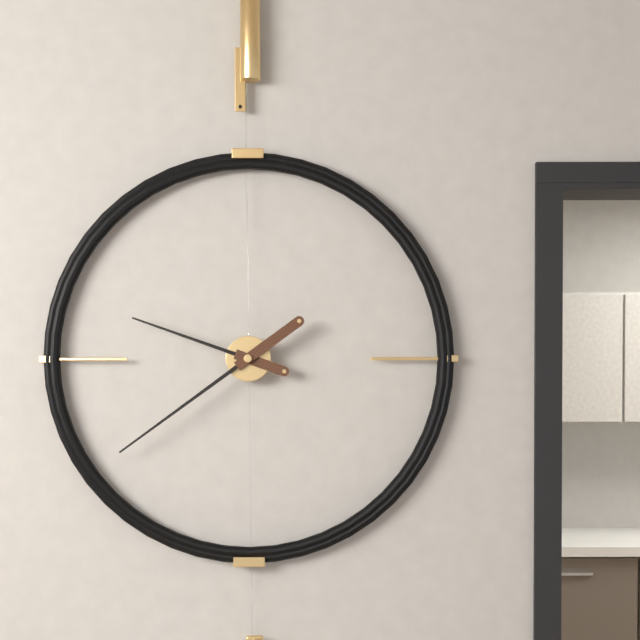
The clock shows 9.39
